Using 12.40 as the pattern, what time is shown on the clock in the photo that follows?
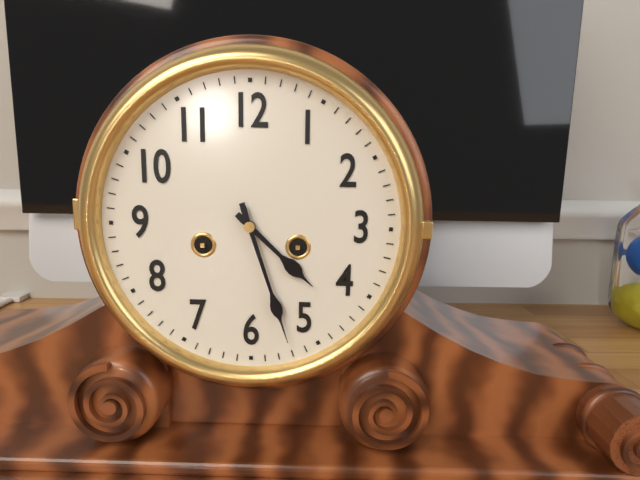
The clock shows 4.27
